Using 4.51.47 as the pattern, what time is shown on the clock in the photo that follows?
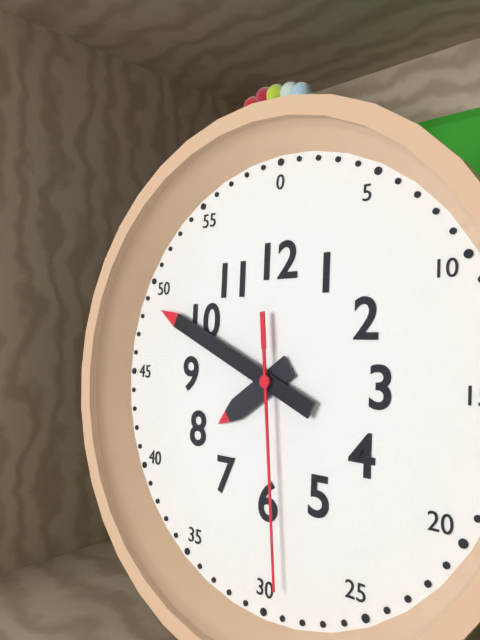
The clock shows 7.49.29
